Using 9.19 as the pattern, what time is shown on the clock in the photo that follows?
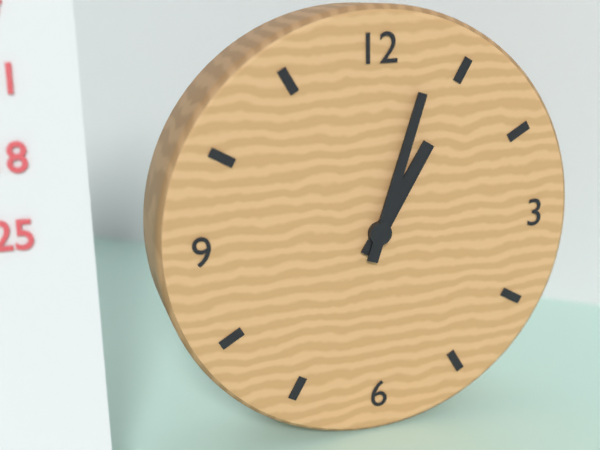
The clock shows 1.03
